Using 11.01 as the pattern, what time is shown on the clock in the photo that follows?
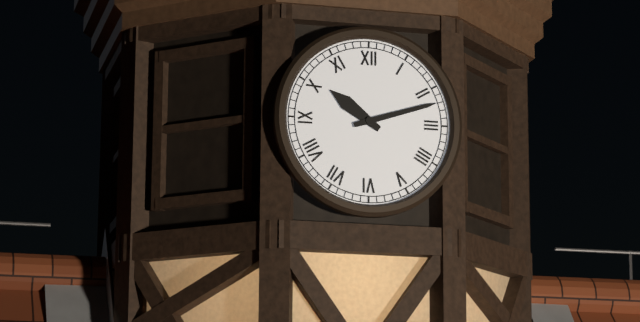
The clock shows 10.12
